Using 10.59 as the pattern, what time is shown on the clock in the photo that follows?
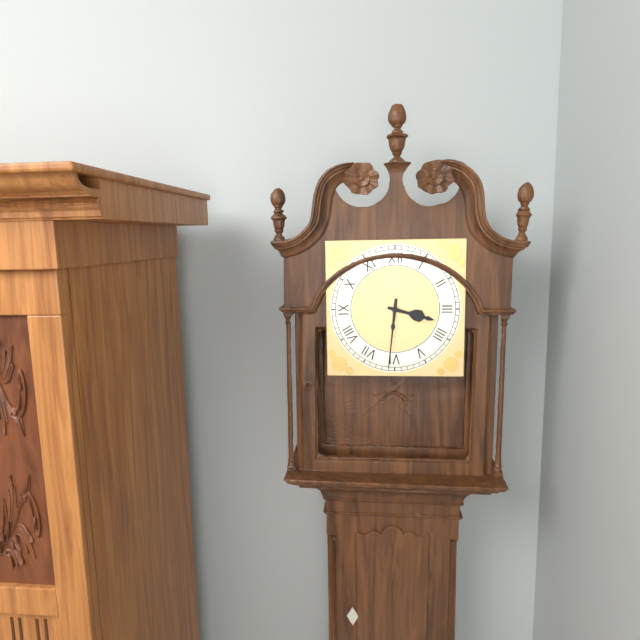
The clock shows 3.31
